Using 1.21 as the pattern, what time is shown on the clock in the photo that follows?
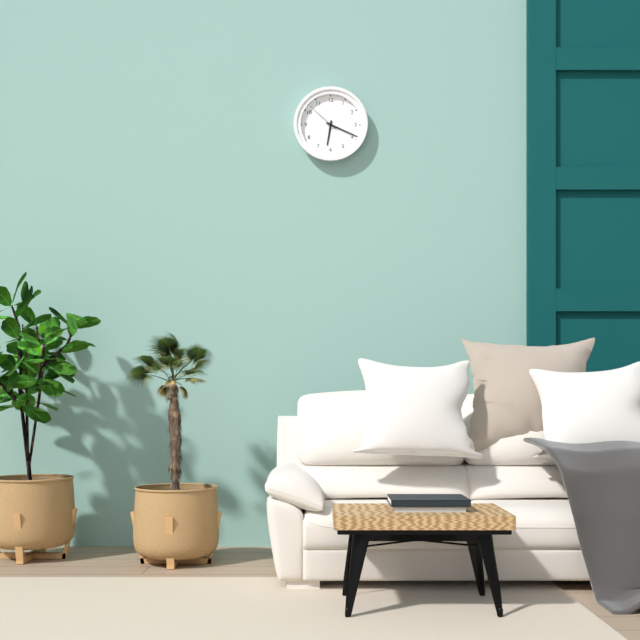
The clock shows 6.19
